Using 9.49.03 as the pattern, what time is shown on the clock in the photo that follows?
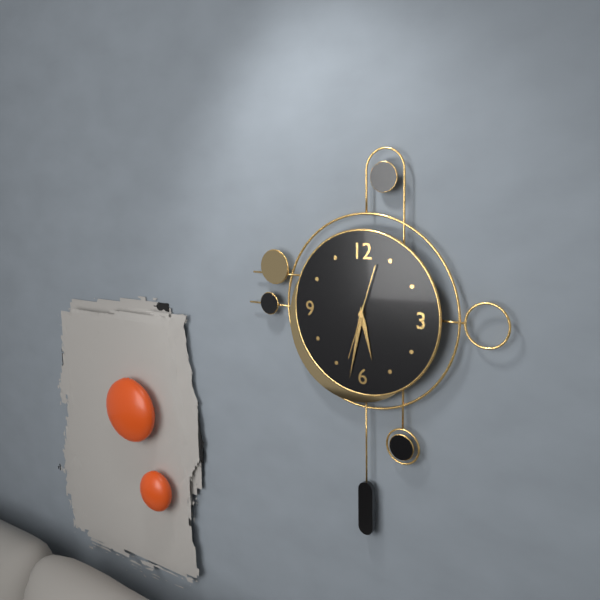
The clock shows 5.32.03
